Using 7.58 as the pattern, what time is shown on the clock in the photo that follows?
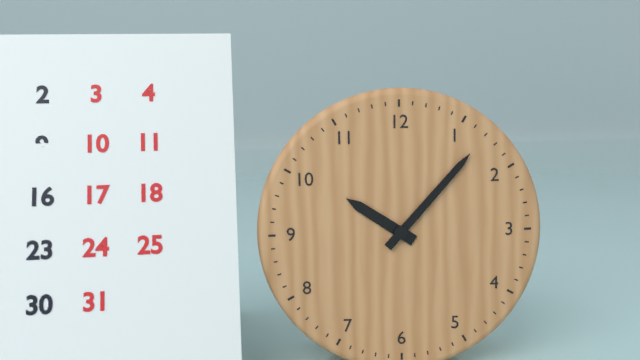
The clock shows 10.07
